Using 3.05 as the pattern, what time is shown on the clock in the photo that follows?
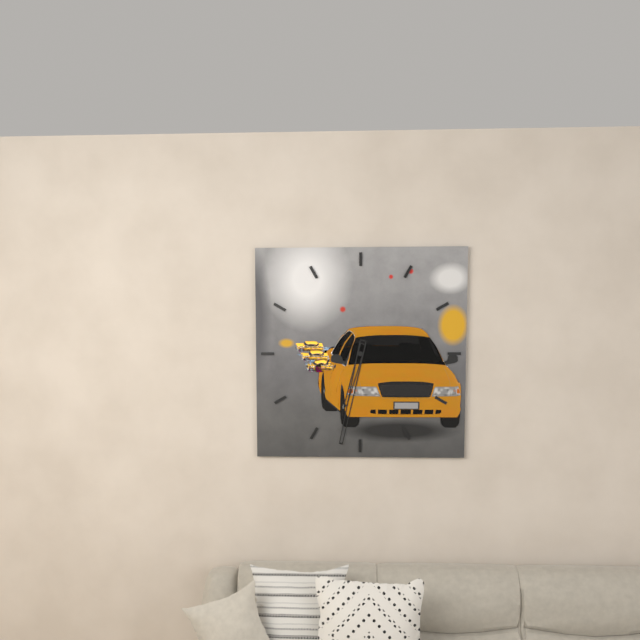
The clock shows 6.32
